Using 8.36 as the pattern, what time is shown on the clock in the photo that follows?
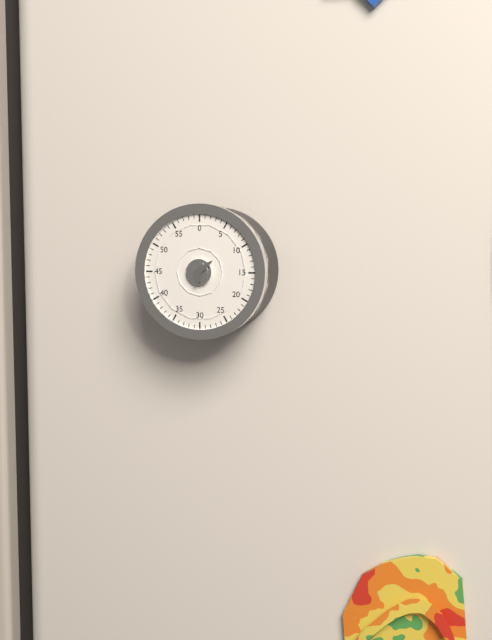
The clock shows 6.09
